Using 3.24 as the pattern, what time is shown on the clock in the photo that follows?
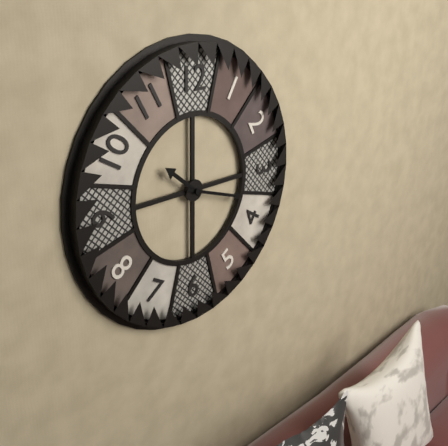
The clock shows 10.18
